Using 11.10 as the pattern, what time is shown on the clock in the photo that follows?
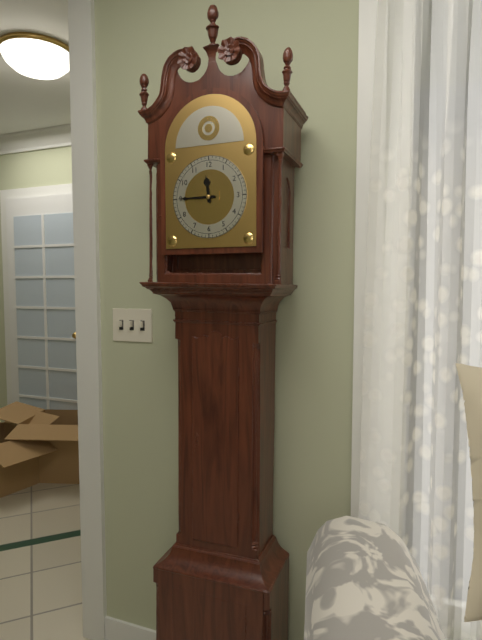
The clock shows 11.45
